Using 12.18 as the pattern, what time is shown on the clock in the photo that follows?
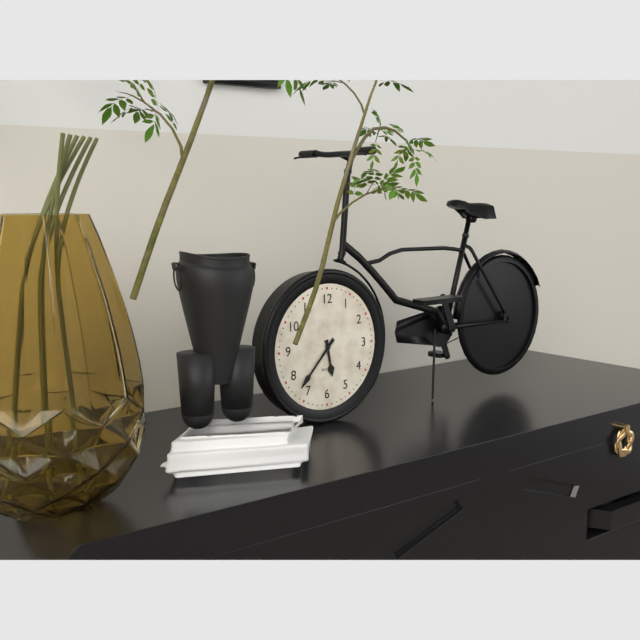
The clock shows 5.37
